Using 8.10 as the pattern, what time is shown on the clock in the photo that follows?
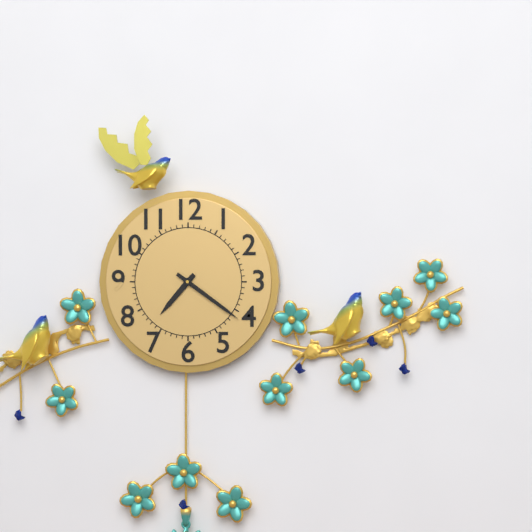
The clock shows 7.21
